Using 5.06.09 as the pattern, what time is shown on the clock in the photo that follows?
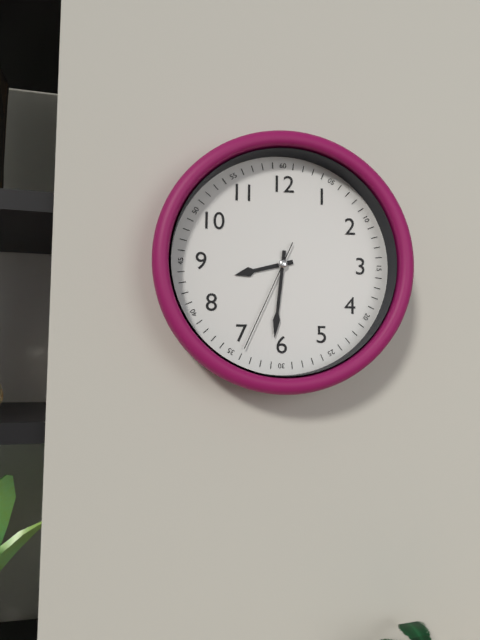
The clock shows 8.31.34
